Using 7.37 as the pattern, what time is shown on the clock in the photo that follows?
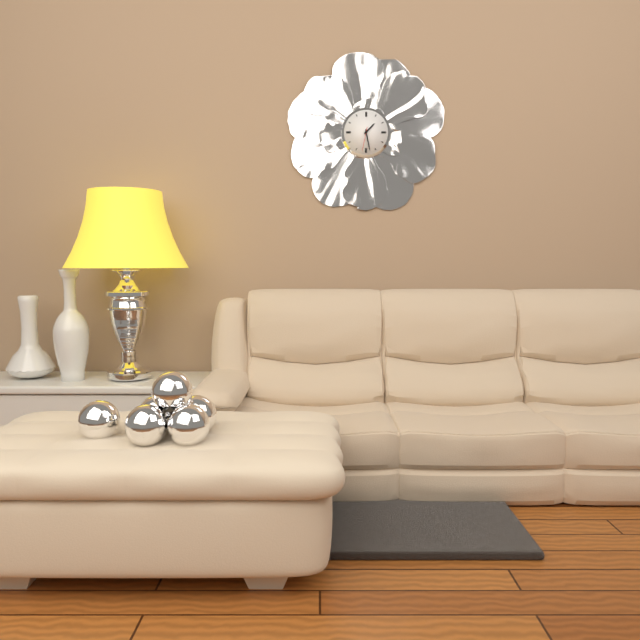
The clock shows 1.28
